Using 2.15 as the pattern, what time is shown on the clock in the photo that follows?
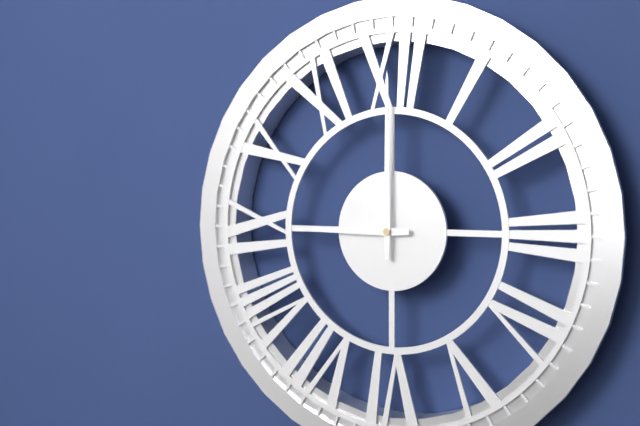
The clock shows 9.00
